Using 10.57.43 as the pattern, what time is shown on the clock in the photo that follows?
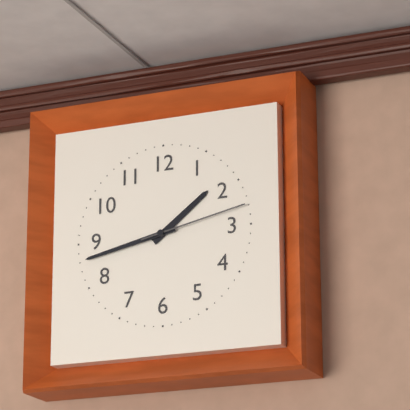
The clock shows 1.43.13
